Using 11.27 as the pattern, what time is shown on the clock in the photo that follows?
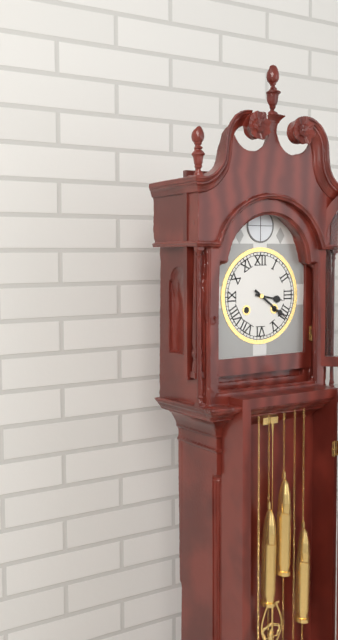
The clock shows 3.21
